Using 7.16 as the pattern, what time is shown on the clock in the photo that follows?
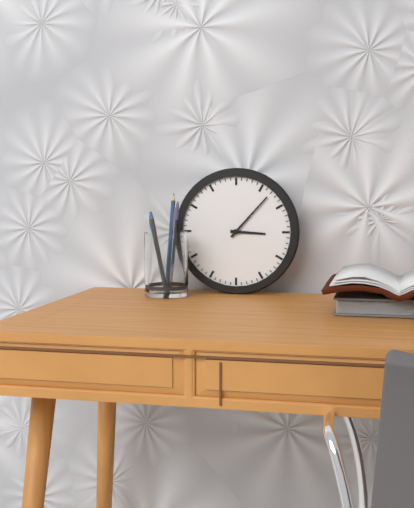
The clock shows 3.07
